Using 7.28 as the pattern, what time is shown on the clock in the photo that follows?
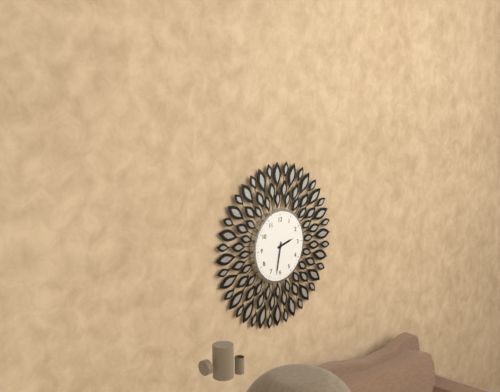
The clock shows 2.32
